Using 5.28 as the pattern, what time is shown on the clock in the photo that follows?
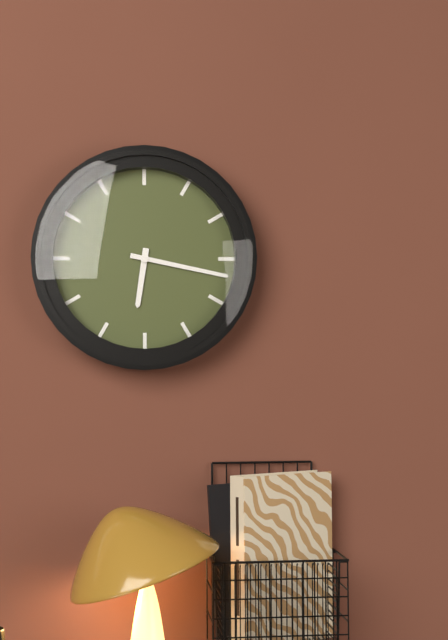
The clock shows 6.17
